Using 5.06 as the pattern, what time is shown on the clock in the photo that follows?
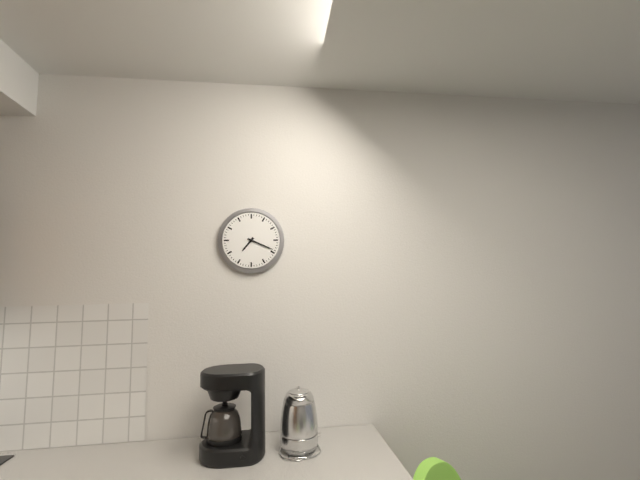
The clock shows 7.19
